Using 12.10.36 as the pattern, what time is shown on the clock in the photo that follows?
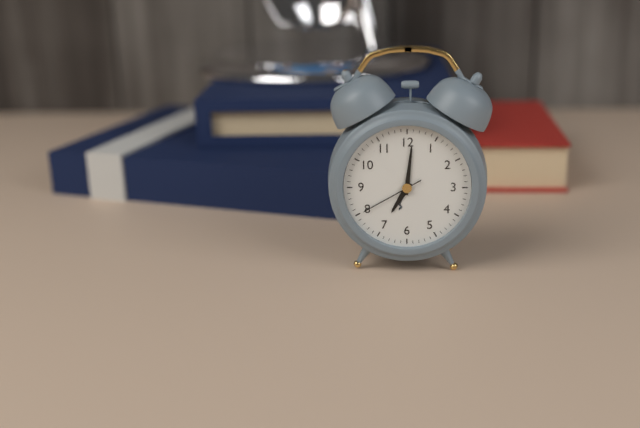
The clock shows 7.01.40
